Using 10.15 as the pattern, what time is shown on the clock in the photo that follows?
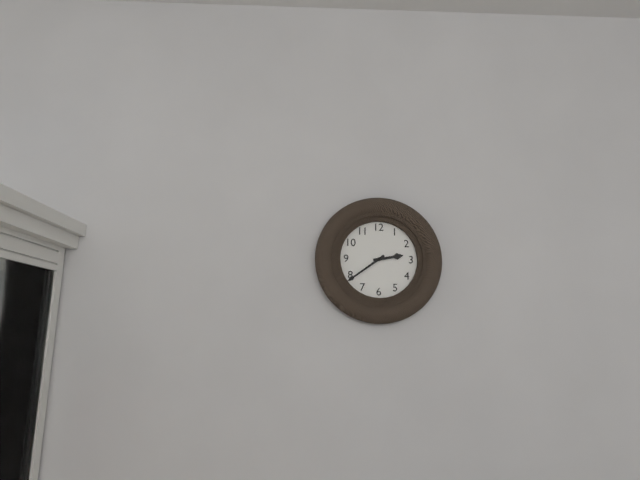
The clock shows 2.39
